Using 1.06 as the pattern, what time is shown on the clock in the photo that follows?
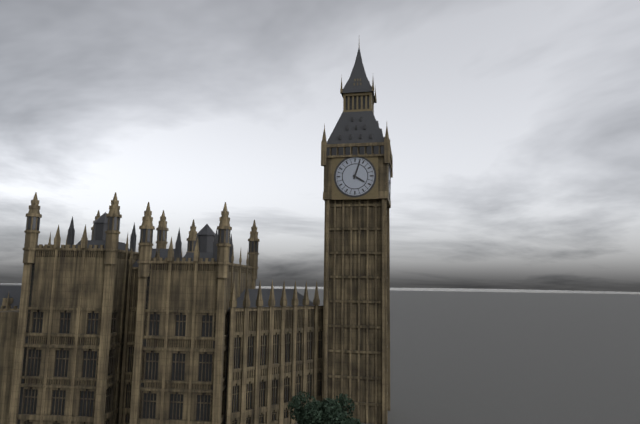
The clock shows 4.03
